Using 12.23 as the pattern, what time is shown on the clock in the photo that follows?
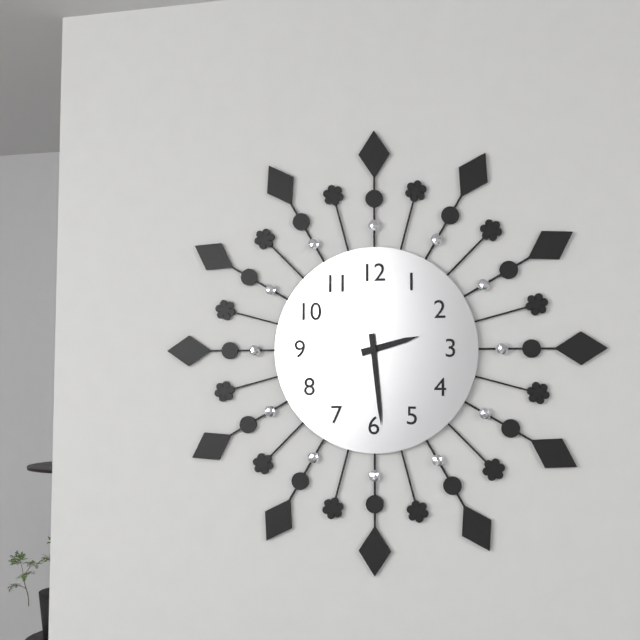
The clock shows 2.29
